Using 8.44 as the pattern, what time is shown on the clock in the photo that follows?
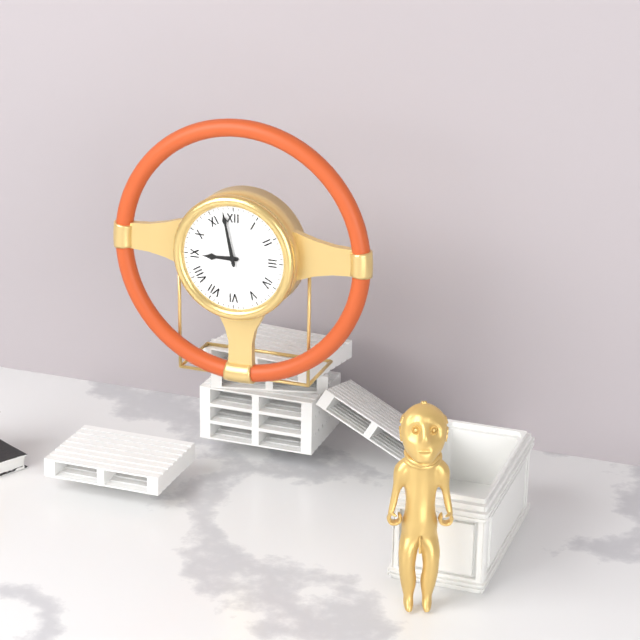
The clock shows 8.58
